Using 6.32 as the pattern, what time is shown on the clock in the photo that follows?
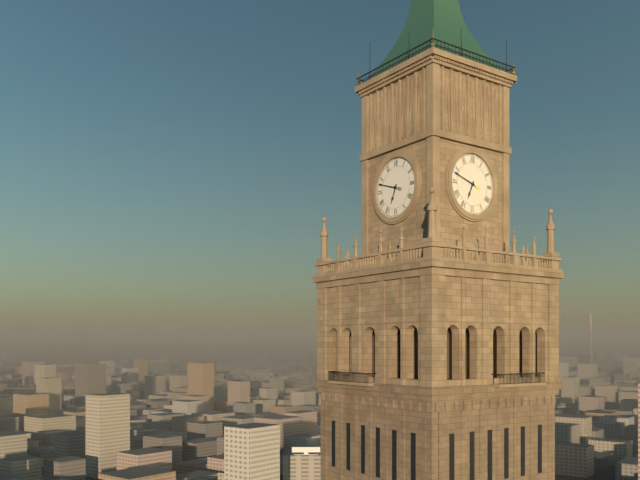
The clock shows 6.48
